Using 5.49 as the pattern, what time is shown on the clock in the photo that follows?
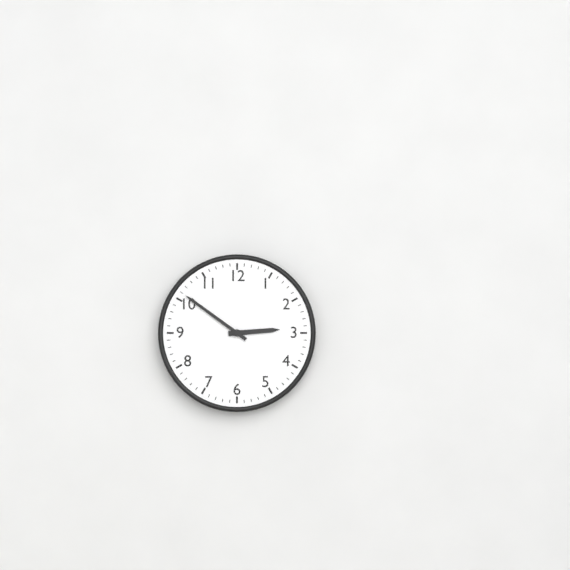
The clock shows 2.51
